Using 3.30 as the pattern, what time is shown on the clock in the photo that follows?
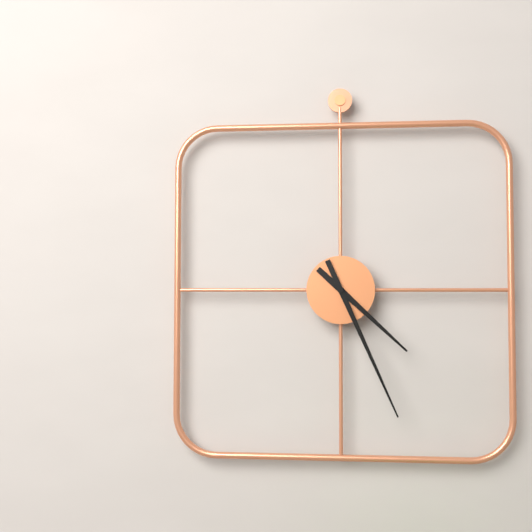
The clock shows 4.26
